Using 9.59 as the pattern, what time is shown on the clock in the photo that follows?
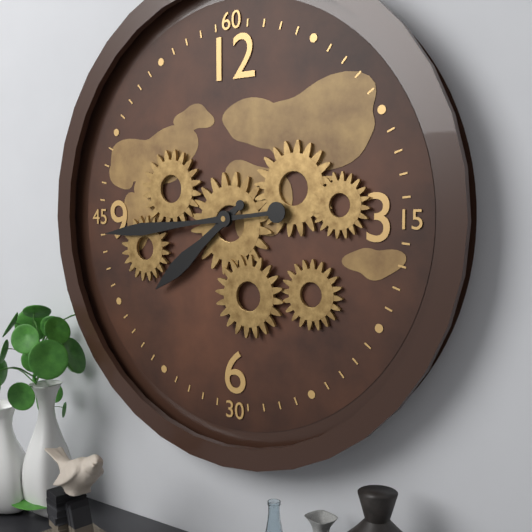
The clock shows 7.44
